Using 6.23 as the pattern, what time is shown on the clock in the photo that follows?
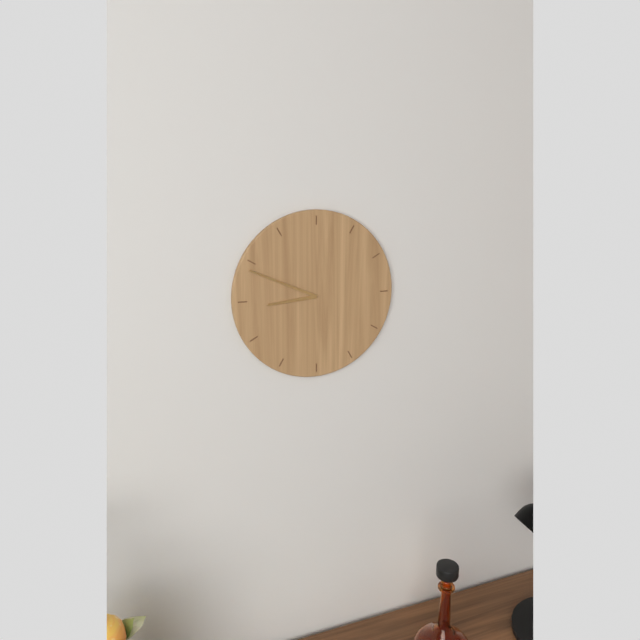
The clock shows 8.49
